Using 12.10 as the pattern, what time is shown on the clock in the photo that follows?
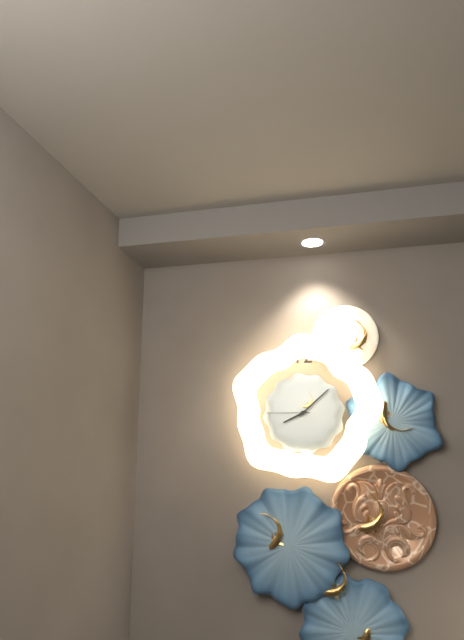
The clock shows 8.08
